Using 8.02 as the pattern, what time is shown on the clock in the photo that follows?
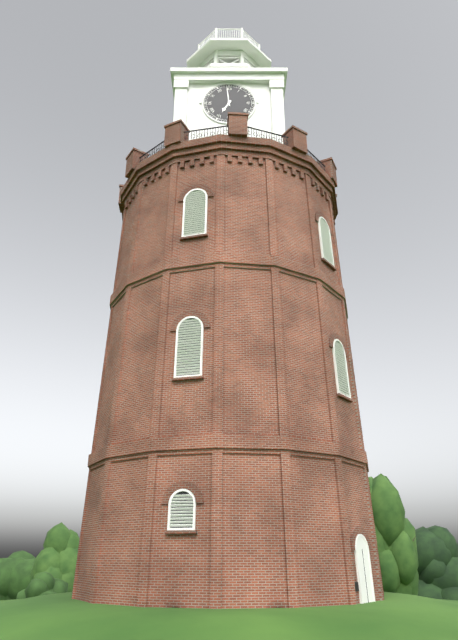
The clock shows 6.59
